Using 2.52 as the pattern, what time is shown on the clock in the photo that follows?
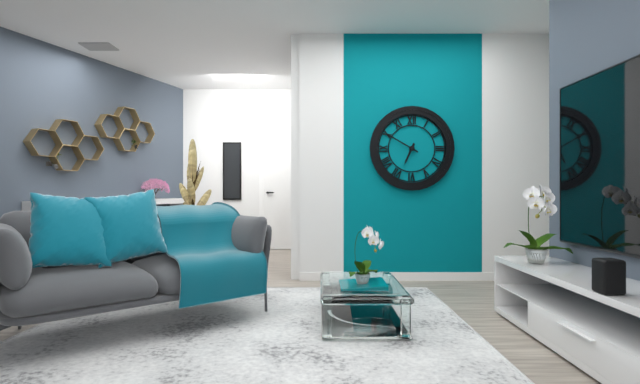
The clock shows 6.50
